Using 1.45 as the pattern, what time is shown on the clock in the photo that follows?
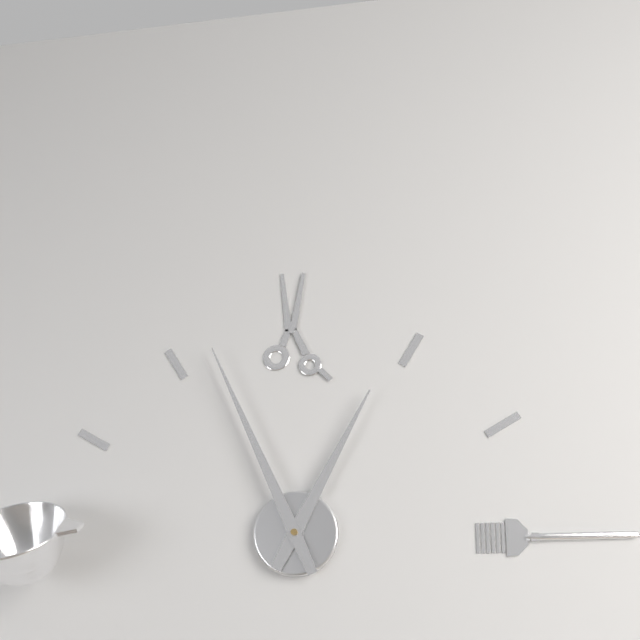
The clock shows 12.56
